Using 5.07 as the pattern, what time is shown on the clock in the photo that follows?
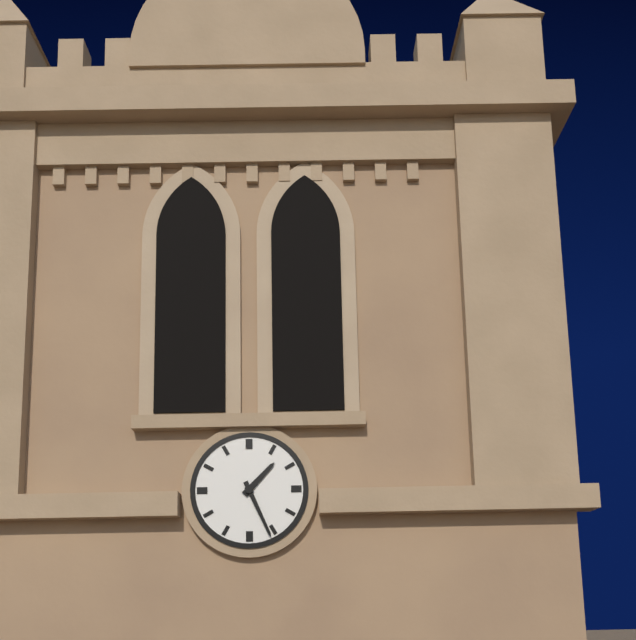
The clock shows 1.26
